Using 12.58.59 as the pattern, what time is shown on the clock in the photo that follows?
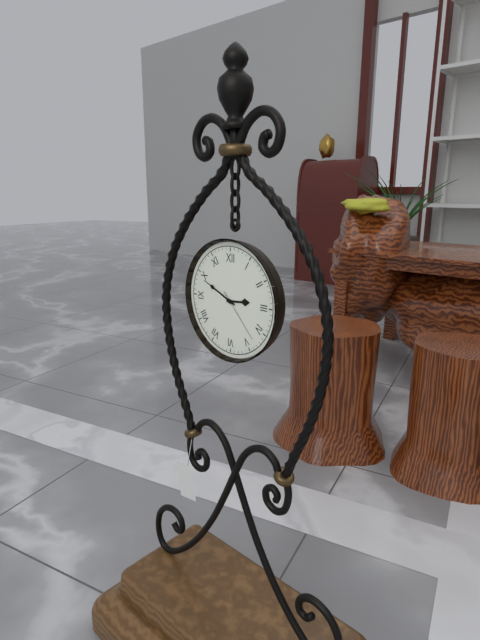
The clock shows 2.49.23
